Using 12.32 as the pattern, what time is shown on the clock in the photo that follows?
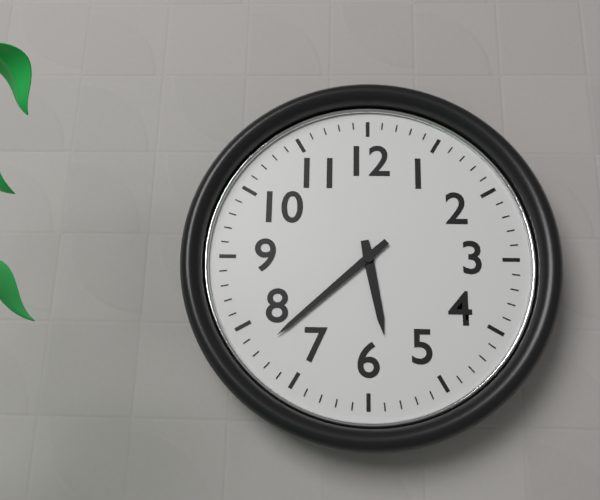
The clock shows 5.38
